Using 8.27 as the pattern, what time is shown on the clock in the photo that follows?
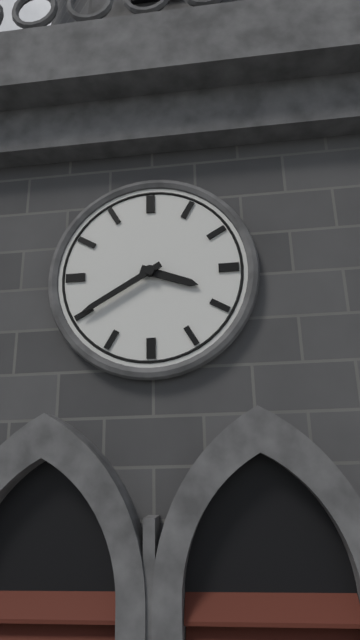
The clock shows 3.40
